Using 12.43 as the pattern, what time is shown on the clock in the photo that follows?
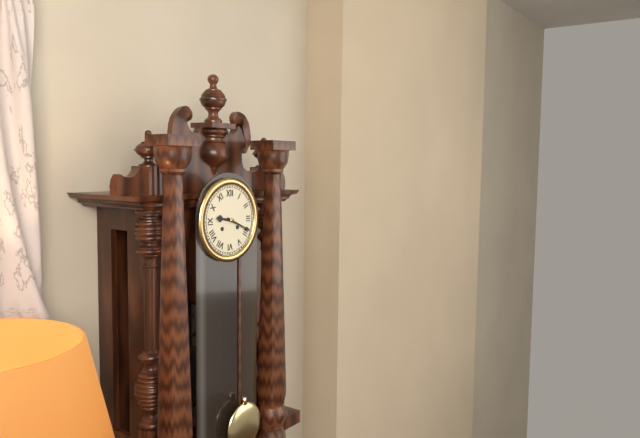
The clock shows 9.19
